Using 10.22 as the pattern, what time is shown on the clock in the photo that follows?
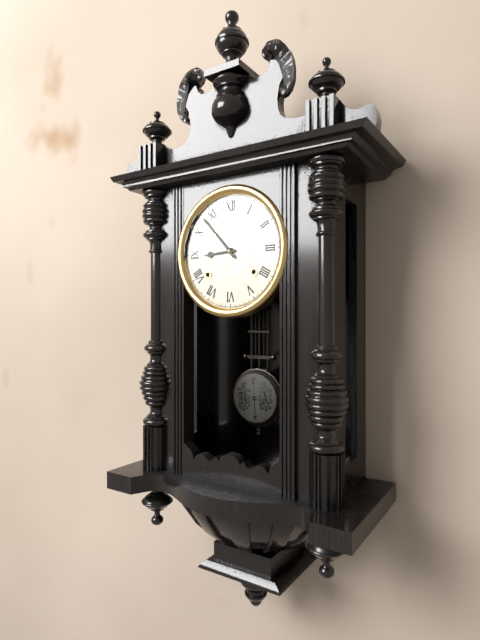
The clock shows 8.53
